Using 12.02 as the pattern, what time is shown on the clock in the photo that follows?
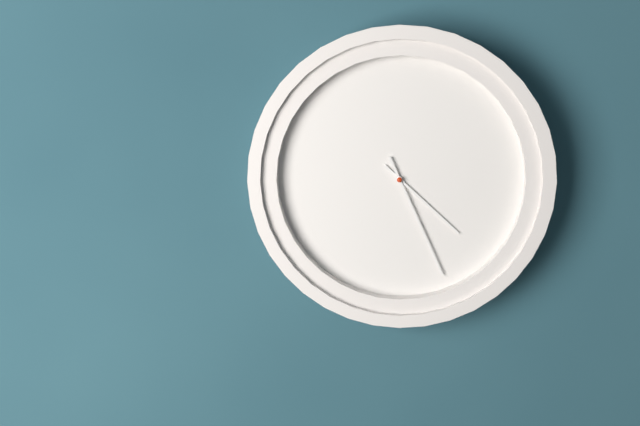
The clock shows 4.26
